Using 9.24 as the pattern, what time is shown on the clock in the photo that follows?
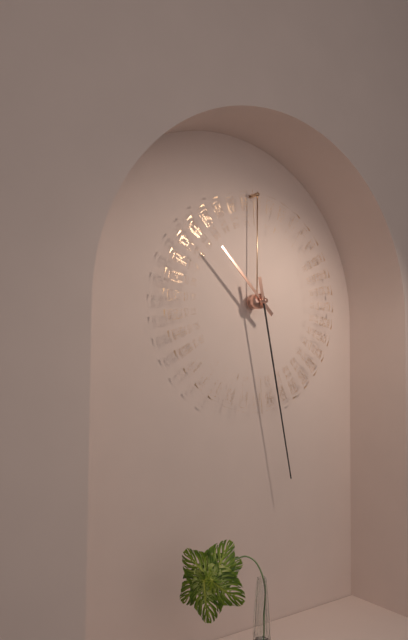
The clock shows 10.28
